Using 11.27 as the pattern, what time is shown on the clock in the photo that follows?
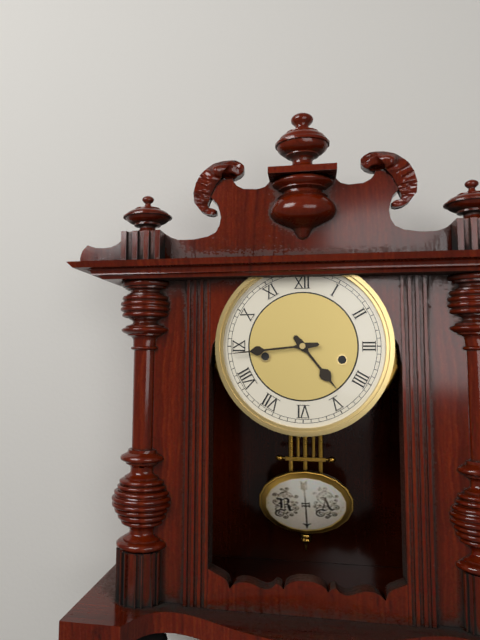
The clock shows 4.44
